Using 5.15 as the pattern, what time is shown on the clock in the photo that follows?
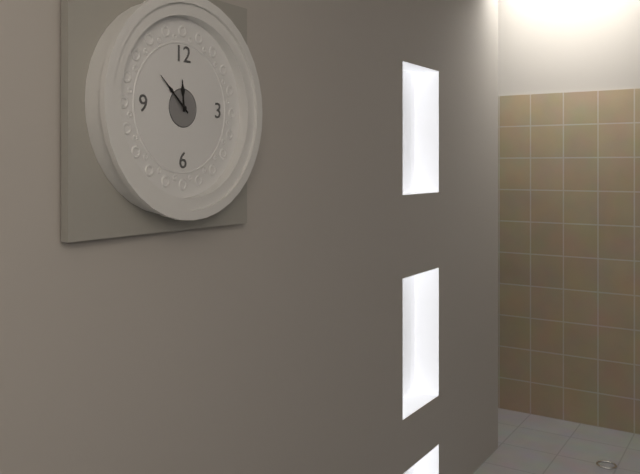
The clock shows 11.52
